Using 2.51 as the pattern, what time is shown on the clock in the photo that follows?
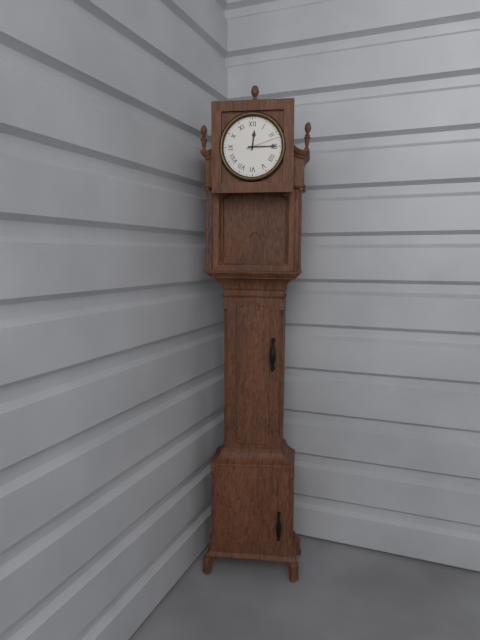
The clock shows 12.15
